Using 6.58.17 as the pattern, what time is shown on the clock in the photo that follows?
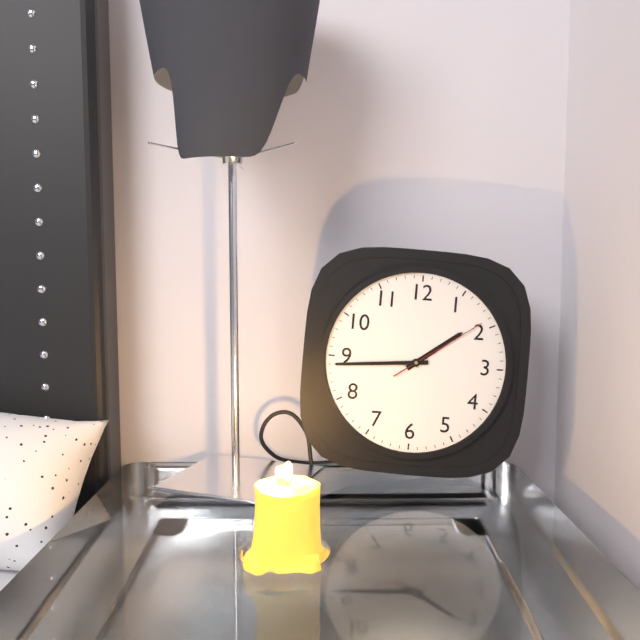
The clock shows 1.44.09
